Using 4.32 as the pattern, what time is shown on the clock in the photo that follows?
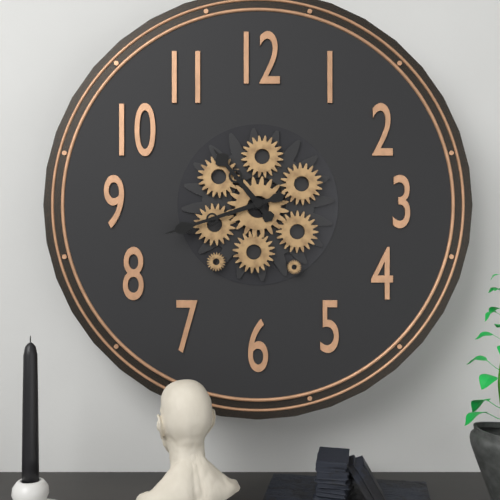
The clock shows 10.42
